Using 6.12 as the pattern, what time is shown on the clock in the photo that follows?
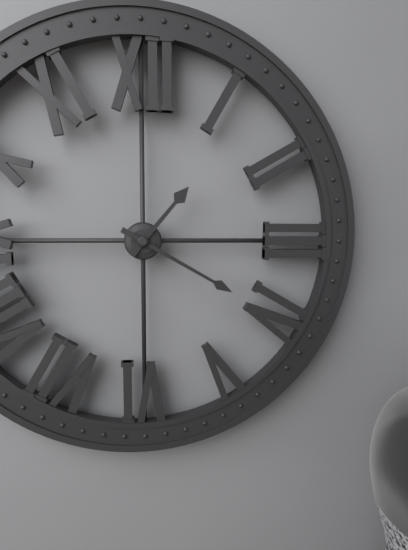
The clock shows 1.20
